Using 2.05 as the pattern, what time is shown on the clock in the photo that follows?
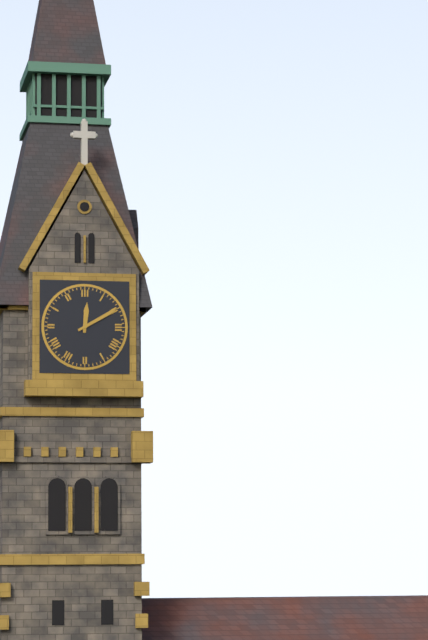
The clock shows 12.10
